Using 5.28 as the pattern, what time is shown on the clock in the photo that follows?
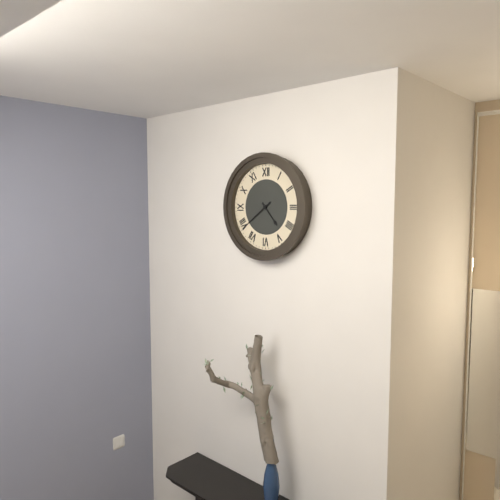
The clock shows 4.39
